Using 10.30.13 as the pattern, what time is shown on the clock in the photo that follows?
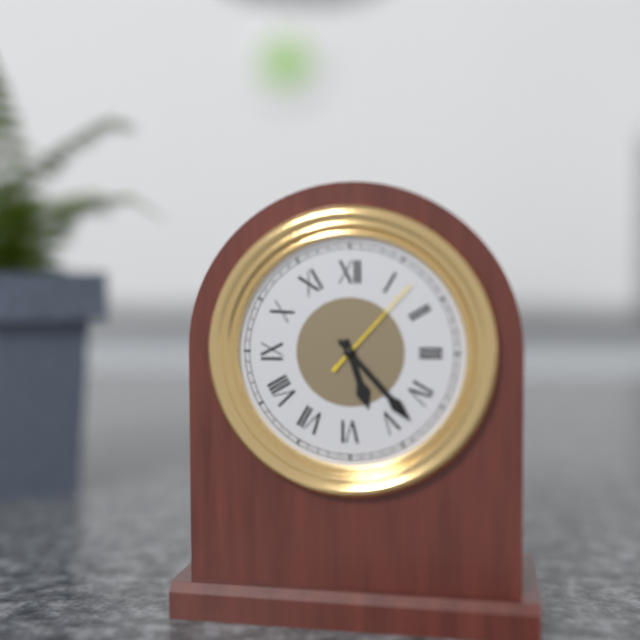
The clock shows 5.23.07
